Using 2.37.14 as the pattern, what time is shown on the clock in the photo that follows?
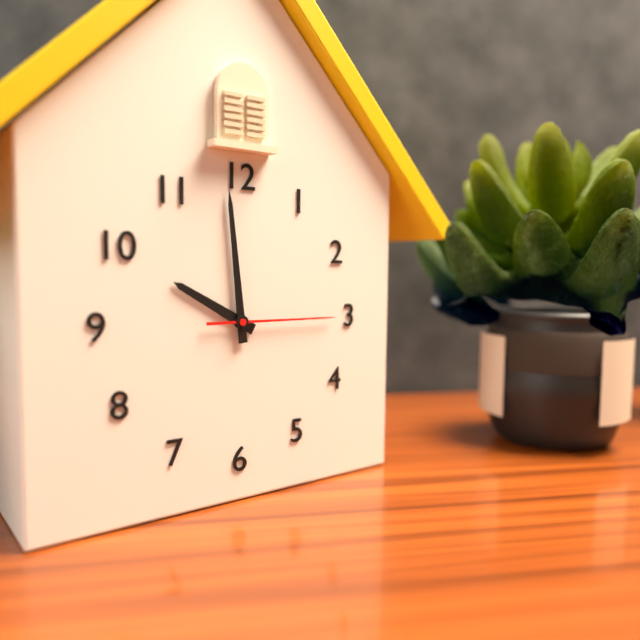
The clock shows 9.59.15
